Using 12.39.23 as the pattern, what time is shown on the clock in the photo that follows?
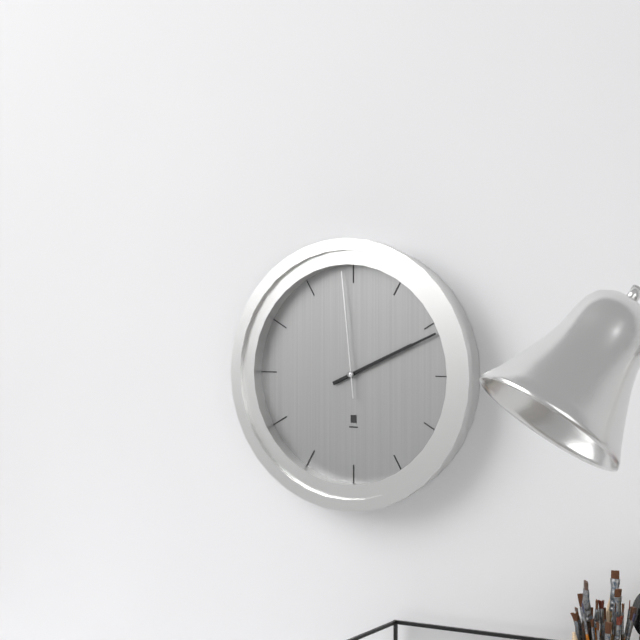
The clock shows 2.11.59
